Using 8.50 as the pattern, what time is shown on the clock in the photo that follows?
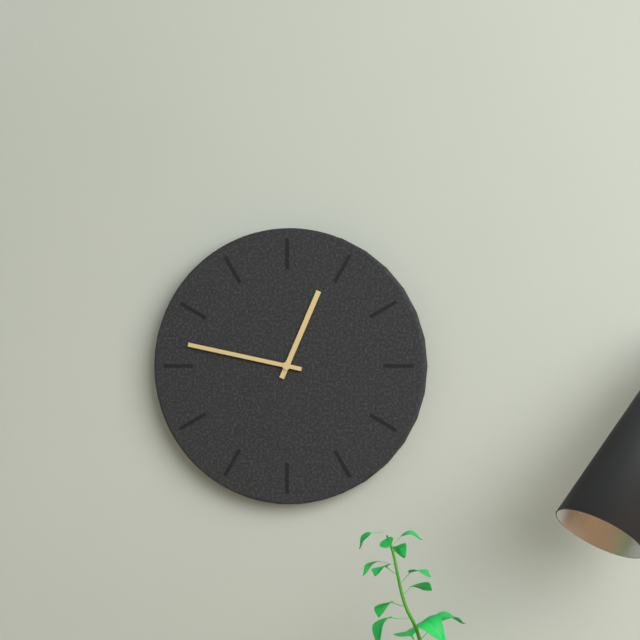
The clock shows 12.47
